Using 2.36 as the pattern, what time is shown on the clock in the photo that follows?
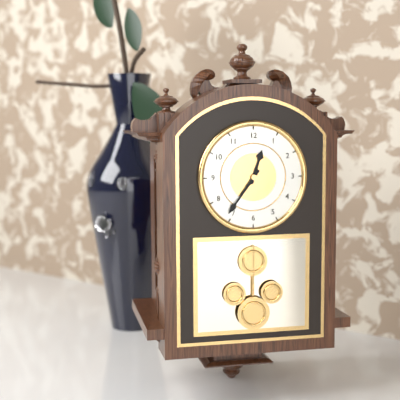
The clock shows 12.36
